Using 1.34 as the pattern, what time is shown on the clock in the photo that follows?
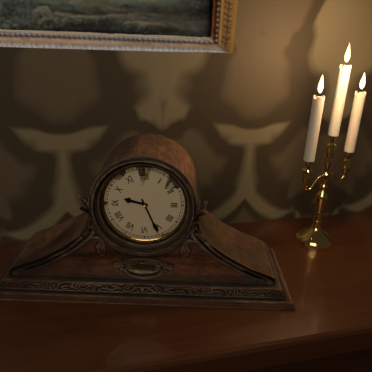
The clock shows 9.26
